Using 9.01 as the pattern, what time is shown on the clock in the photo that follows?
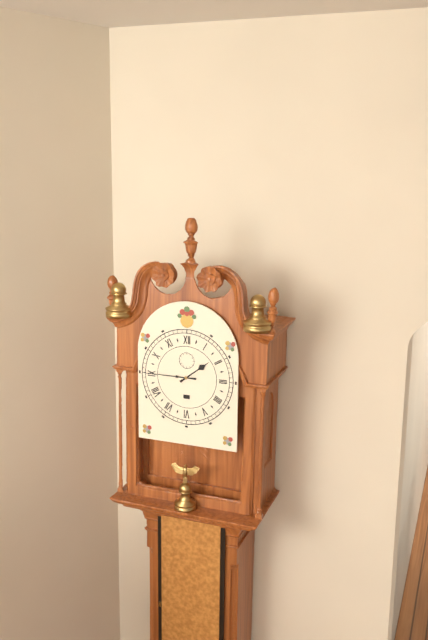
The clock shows 1.45
